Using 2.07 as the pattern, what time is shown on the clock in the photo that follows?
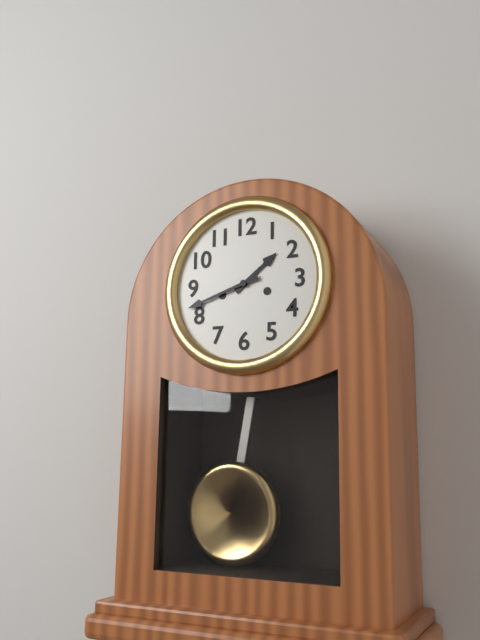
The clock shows 1.42
